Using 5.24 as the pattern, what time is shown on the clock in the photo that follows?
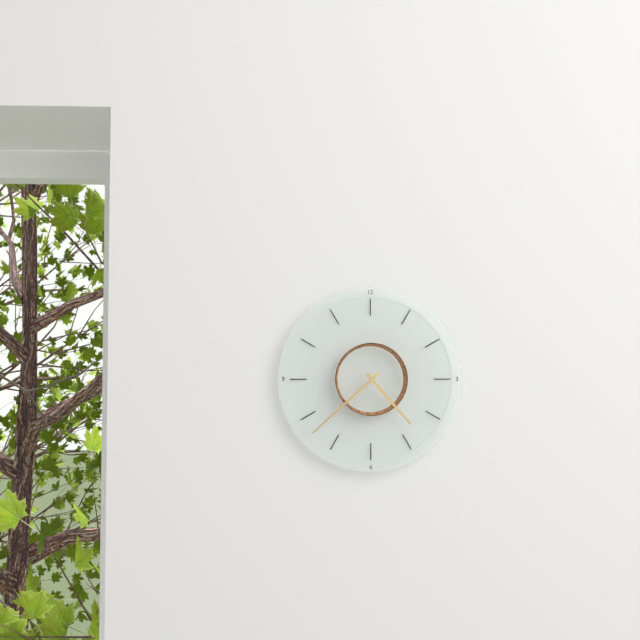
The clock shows 4.38
